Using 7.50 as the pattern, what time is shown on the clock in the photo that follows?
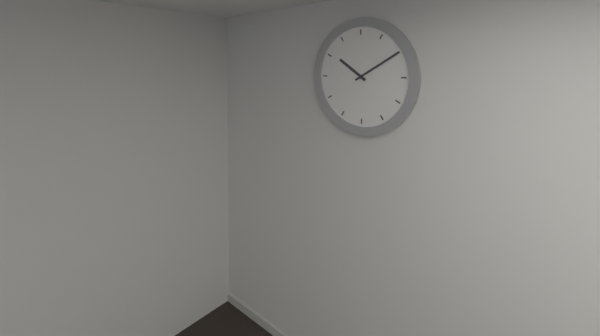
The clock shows 10.10
